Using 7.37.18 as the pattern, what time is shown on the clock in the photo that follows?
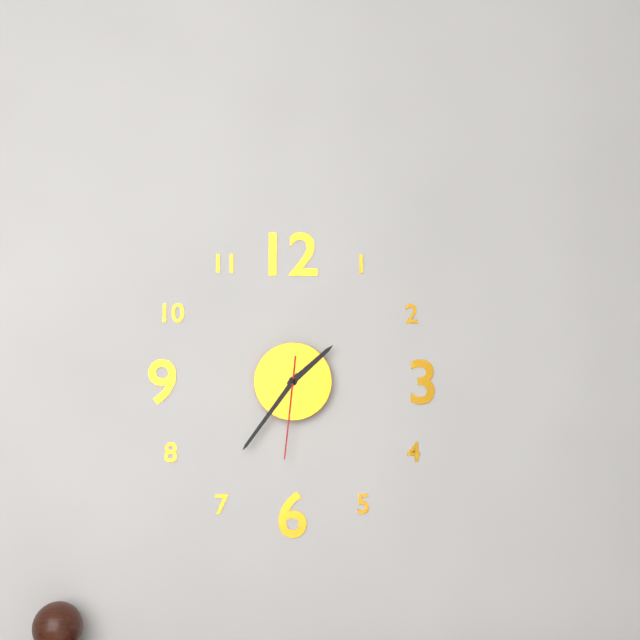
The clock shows 1.36.31
